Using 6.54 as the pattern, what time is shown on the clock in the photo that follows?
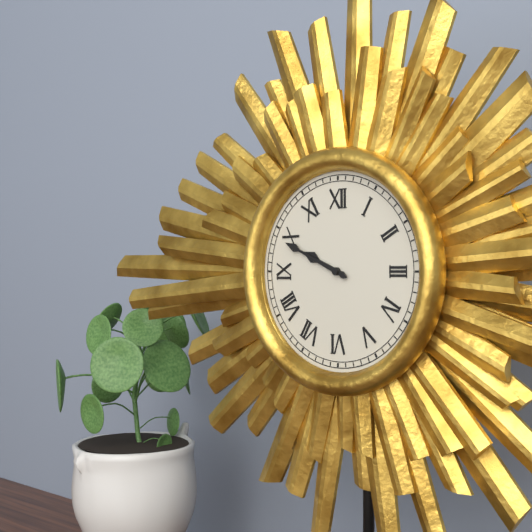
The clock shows 9.49
